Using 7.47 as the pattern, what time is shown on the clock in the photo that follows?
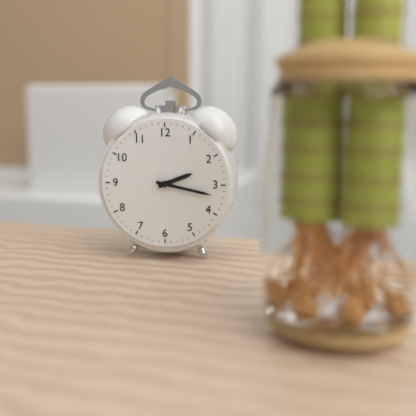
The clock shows 2.17
